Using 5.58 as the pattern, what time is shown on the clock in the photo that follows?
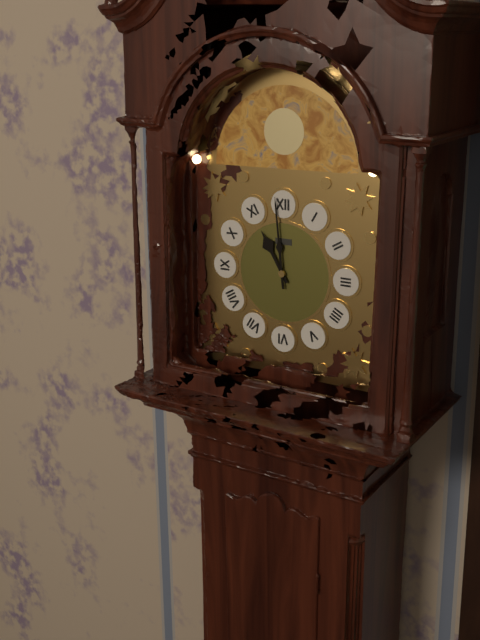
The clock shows 10.59
